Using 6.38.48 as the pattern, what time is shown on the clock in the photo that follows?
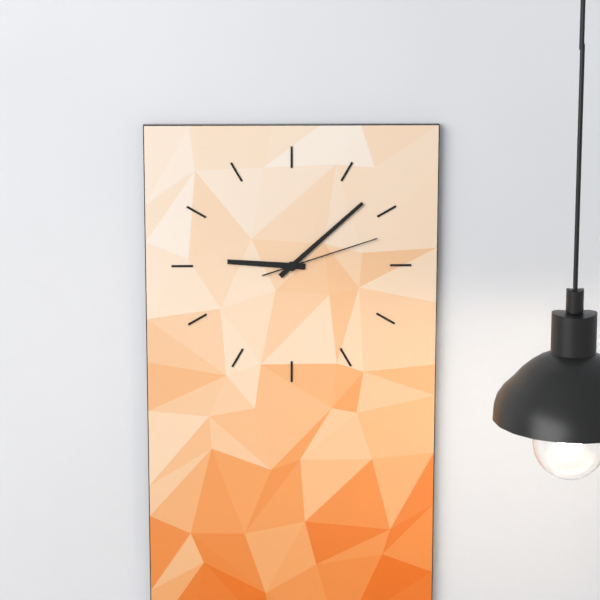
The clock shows 9.08.12
